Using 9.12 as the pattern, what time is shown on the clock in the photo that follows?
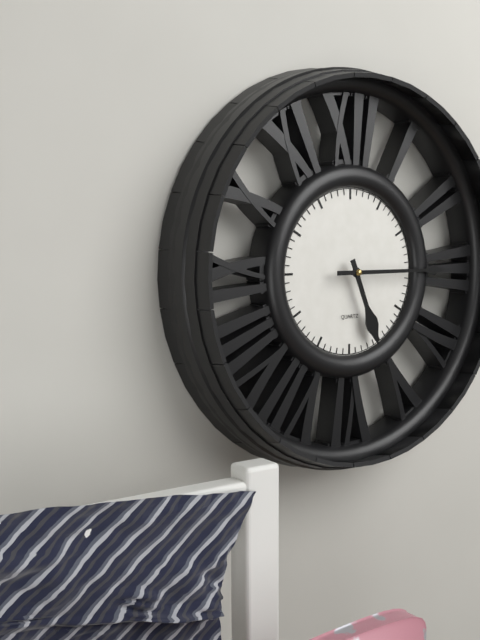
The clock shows 5.15
